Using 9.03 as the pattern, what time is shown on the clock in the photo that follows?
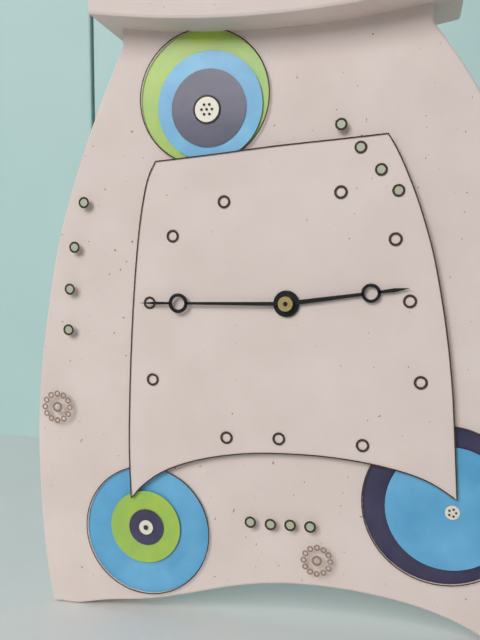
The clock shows 2.45
